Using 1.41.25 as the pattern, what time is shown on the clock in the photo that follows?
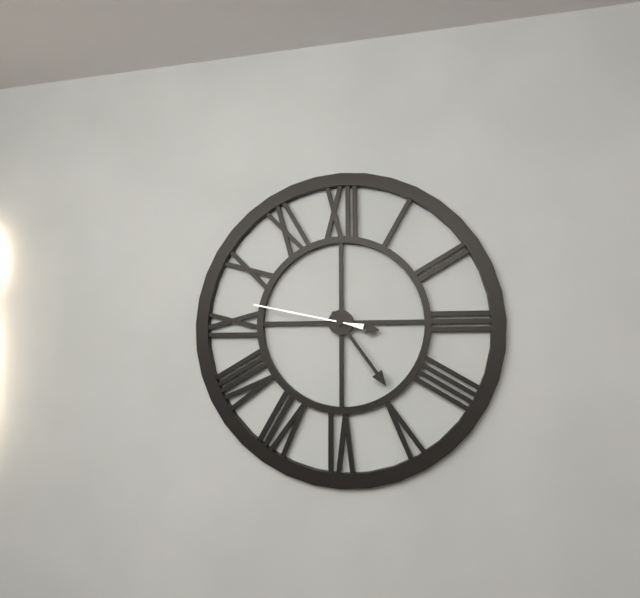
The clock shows 3.24.47
